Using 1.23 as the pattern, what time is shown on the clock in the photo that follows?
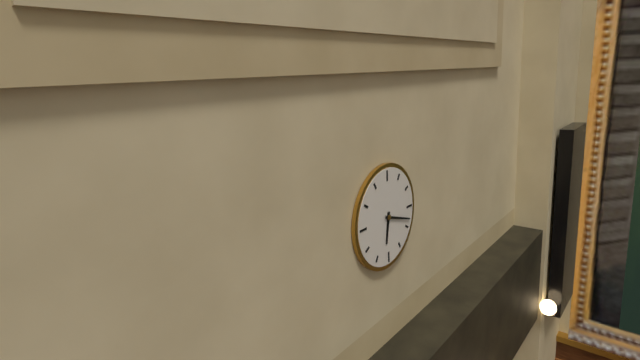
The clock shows 6.18
